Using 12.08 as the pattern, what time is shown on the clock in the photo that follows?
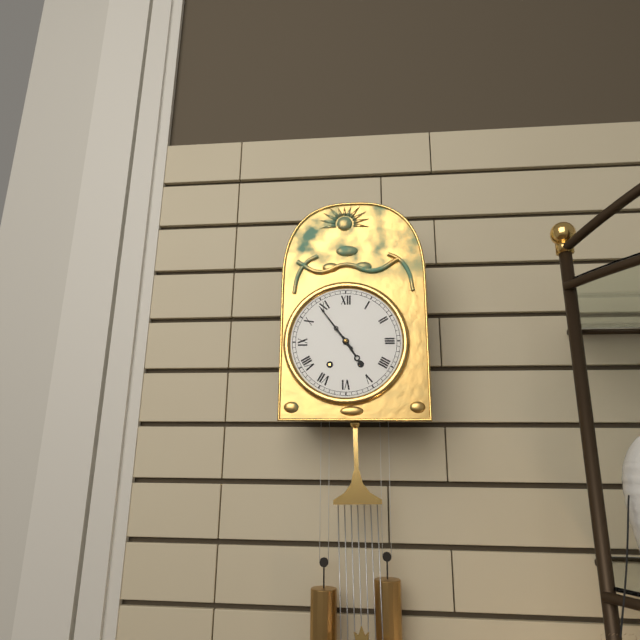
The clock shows 4.54
